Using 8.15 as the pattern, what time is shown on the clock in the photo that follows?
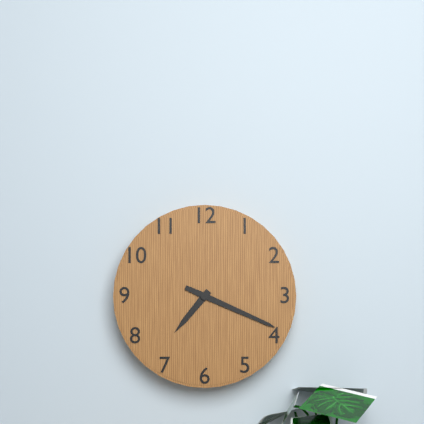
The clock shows 7.19
